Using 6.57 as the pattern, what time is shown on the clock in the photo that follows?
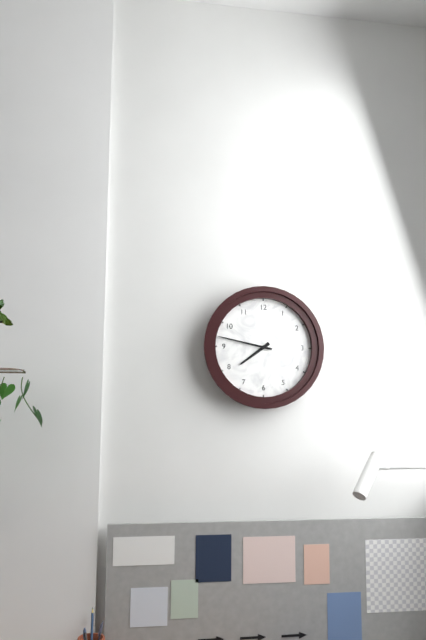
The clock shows 7.47
